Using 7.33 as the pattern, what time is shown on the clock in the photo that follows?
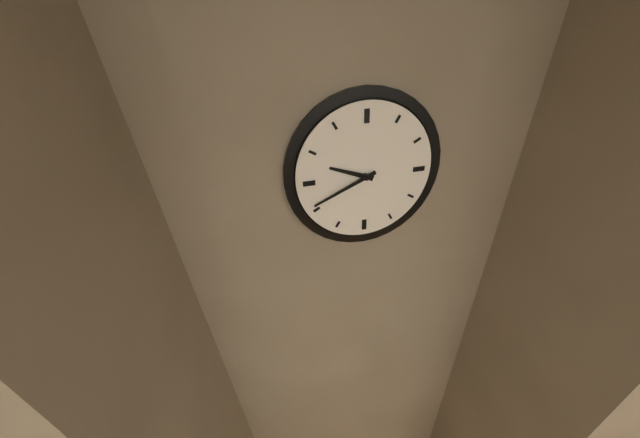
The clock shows 9.41
